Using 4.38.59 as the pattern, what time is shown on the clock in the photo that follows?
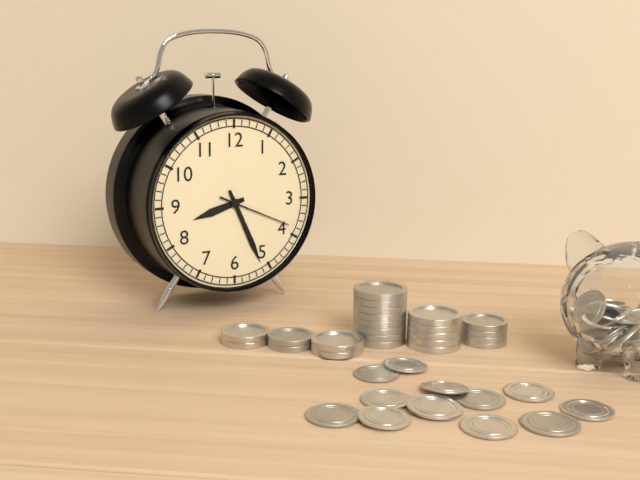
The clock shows 8.26.19
